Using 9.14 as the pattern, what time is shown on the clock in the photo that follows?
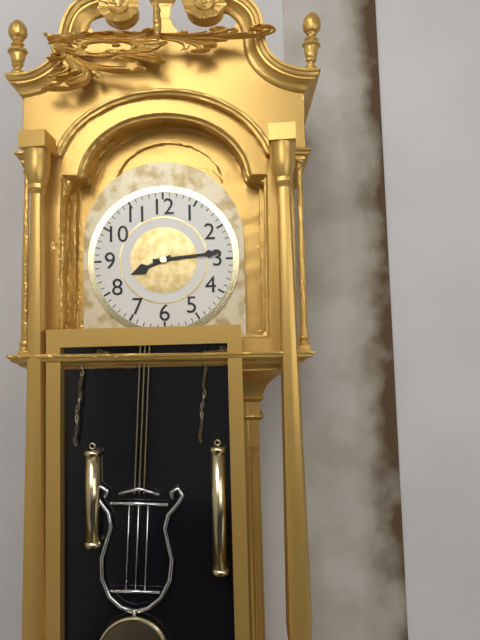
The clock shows 8.14
